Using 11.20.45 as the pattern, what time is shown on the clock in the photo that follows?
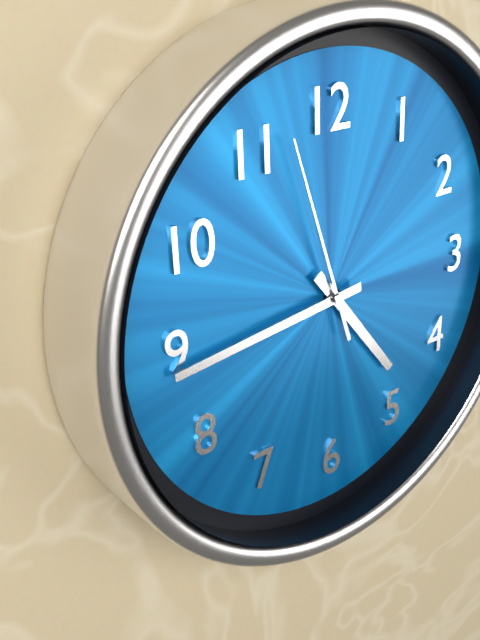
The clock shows 4.44.57
